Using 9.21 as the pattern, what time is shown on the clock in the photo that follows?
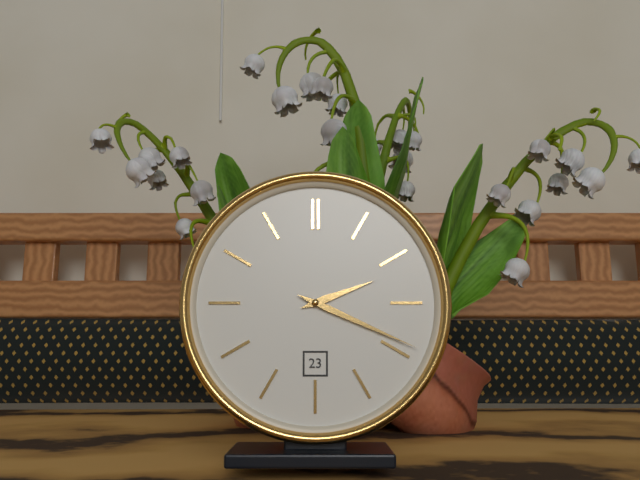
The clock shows 2.19
